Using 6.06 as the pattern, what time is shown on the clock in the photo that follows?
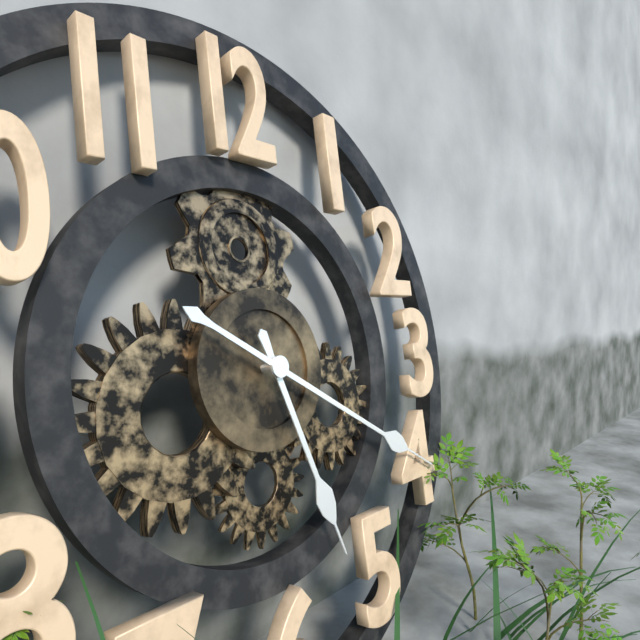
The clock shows 5.20
